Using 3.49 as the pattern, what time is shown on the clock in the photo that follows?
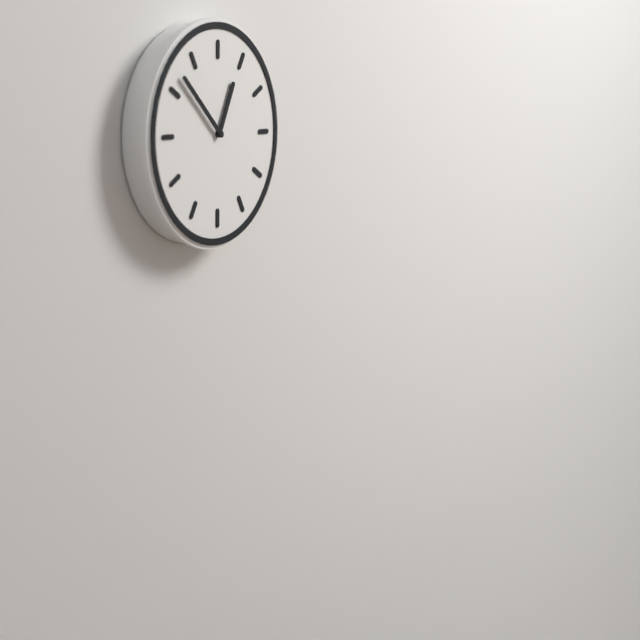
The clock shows 12.52
